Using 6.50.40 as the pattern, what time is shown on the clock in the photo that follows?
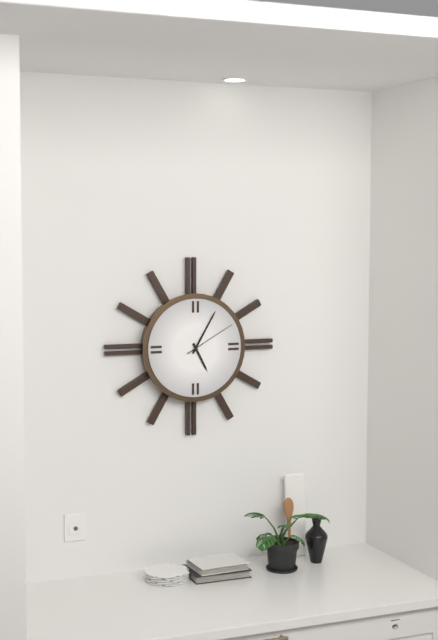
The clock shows 5.05.10
